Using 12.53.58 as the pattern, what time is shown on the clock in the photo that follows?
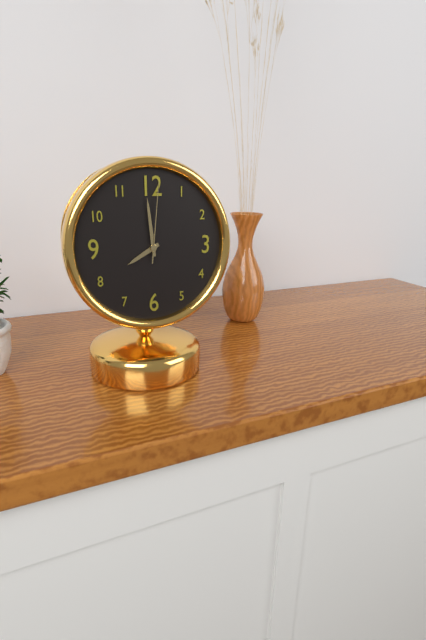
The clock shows 7.59.01
